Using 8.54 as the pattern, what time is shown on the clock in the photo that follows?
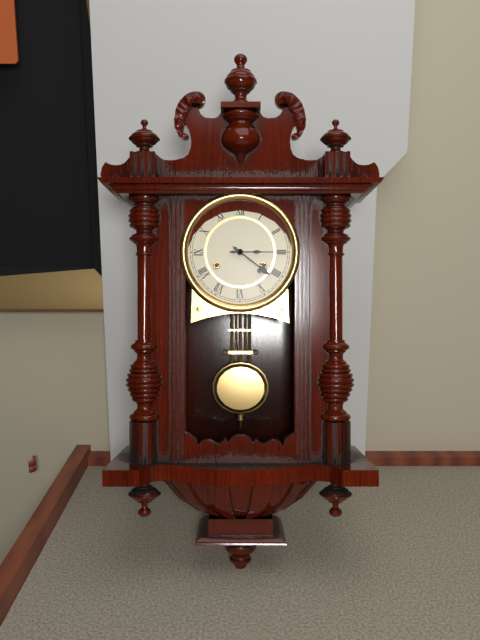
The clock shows 4.15
